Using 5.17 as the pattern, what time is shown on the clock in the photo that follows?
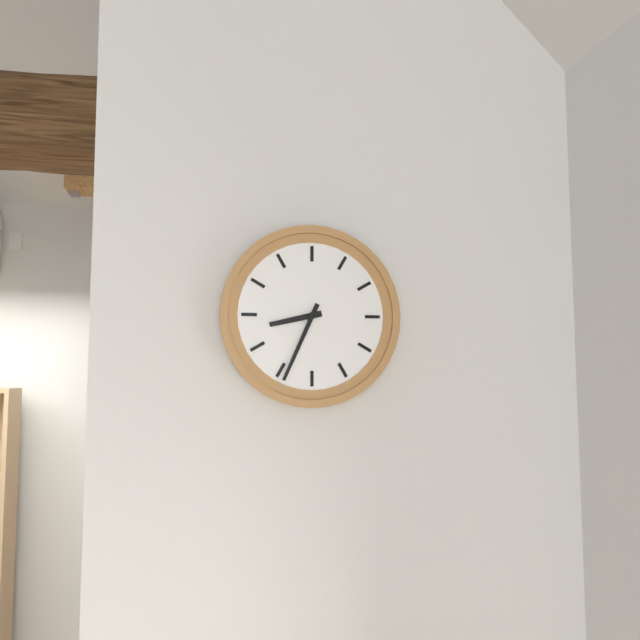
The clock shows 8.34
